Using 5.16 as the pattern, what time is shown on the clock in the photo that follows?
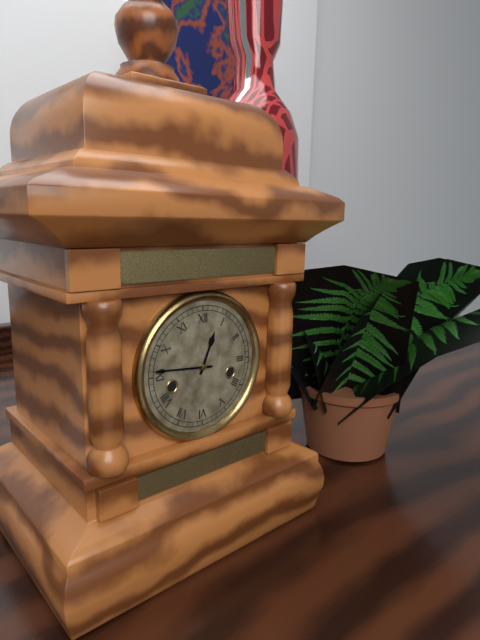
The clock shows 12.46
